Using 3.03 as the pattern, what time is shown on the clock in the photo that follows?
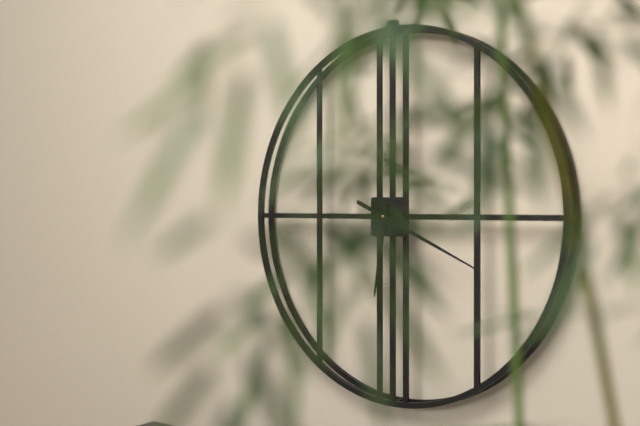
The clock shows 6.19
